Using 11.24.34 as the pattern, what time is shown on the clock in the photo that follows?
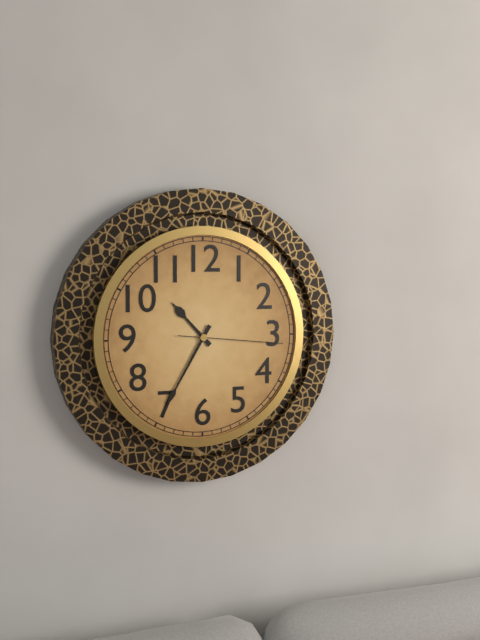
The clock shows 10.35.16
